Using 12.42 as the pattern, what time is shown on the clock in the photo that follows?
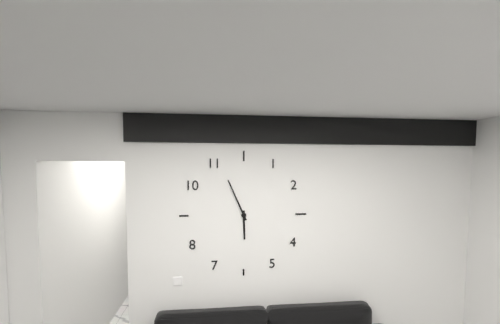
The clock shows 5.56
